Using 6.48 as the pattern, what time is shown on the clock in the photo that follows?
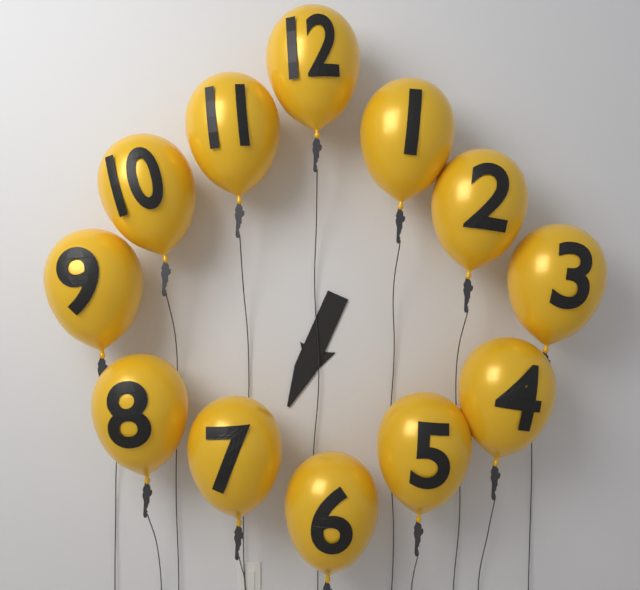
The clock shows 6.34
